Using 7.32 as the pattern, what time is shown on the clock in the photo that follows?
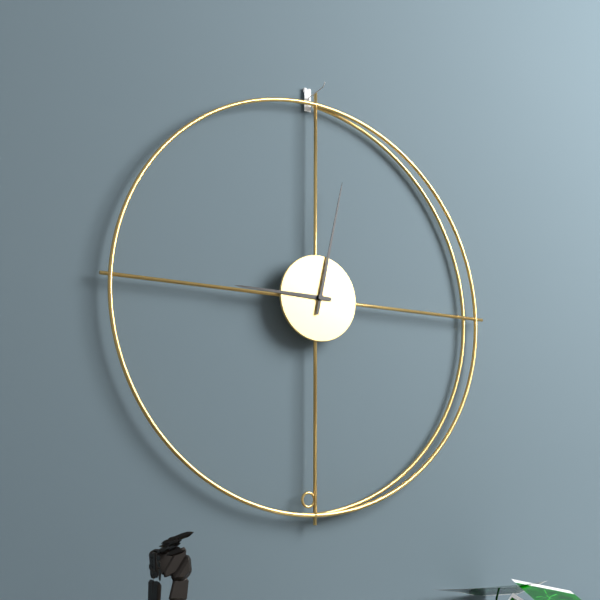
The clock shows 9.02
